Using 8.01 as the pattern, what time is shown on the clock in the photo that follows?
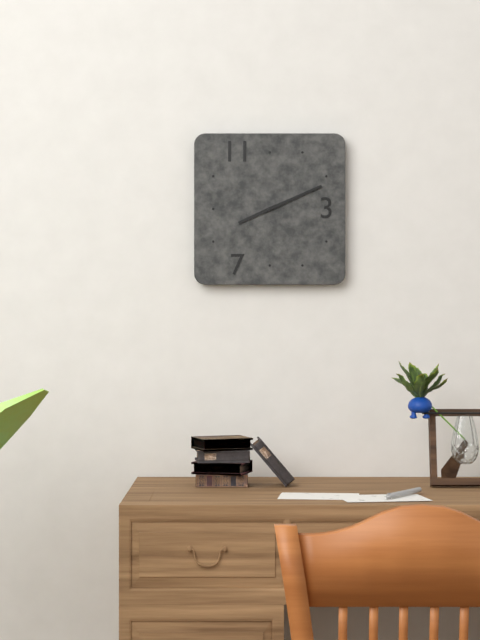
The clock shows 8.11
